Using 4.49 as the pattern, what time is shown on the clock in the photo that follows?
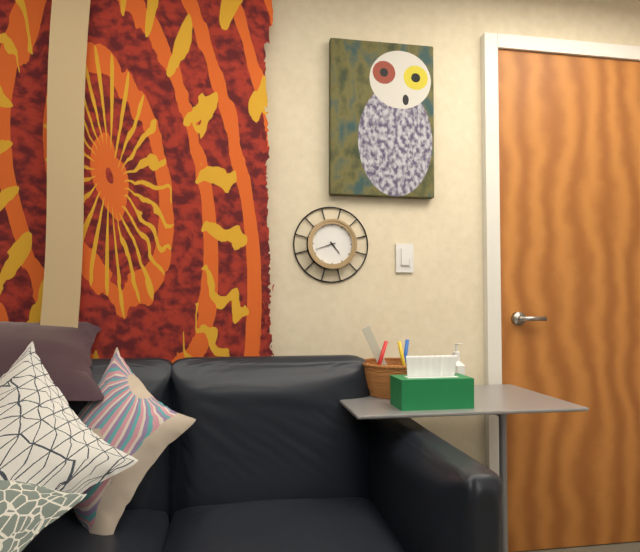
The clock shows 4.42
